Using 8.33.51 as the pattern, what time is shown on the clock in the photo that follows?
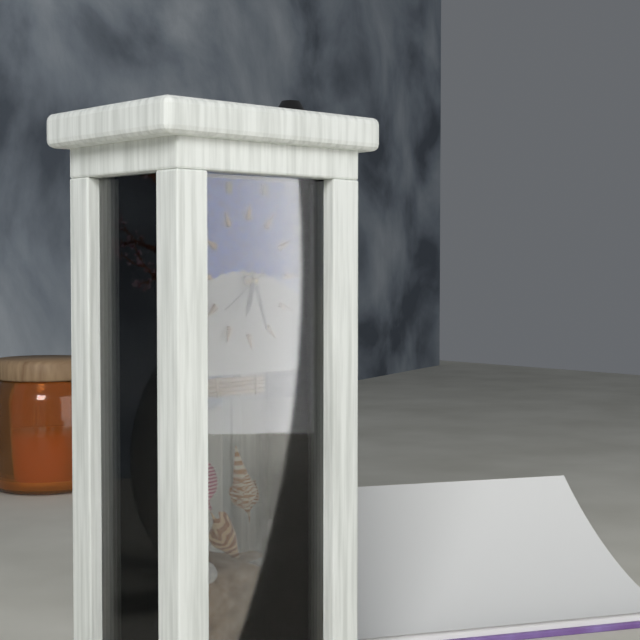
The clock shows 6.27.39
